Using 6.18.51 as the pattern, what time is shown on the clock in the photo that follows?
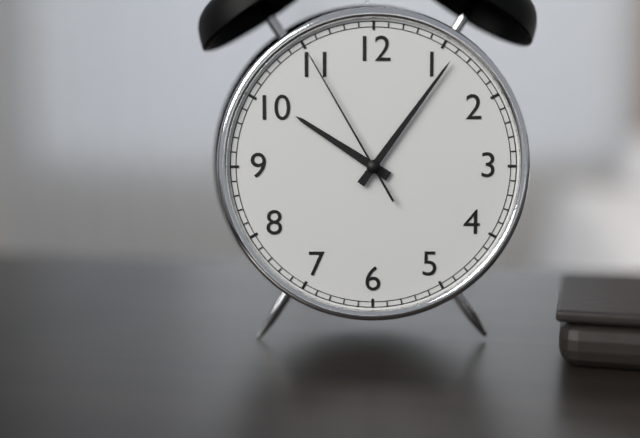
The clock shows 10.06.55
